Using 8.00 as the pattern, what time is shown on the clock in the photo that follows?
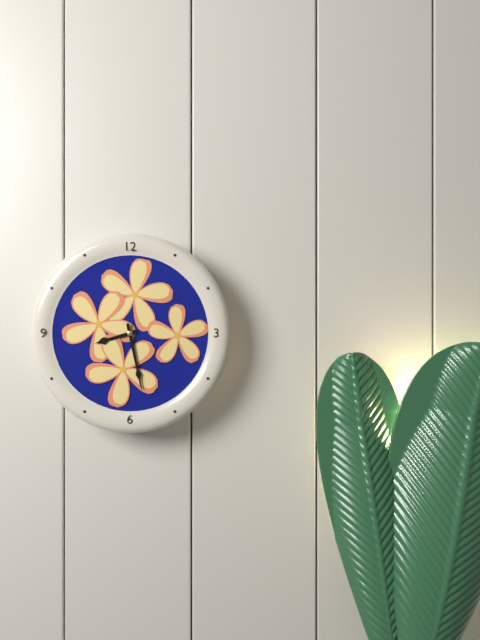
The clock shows 8.28
